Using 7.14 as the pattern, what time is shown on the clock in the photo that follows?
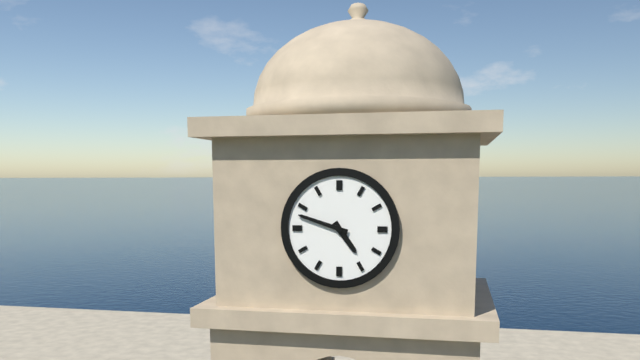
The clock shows 4.48
